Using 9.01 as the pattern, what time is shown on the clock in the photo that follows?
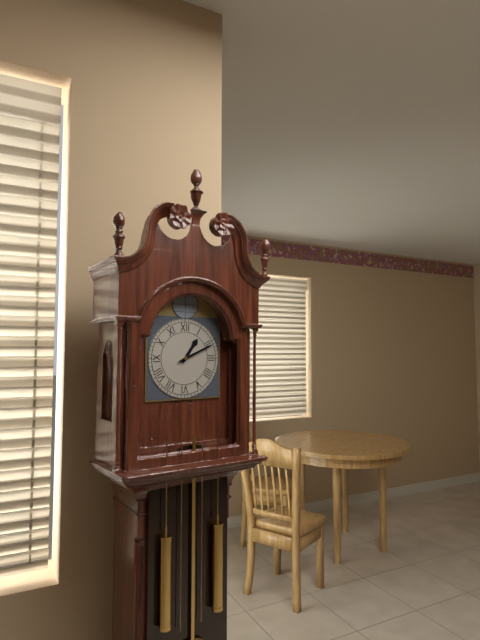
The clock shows 1.11
